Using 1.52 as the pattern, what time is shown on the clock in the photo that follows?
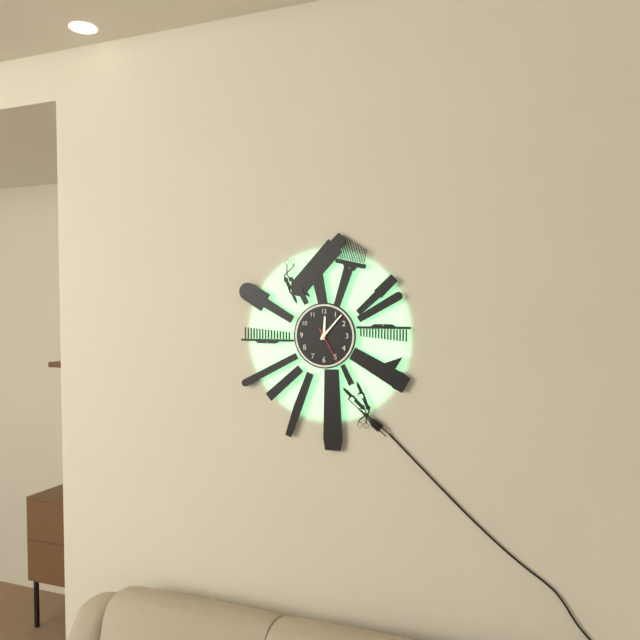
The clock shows 12.07
